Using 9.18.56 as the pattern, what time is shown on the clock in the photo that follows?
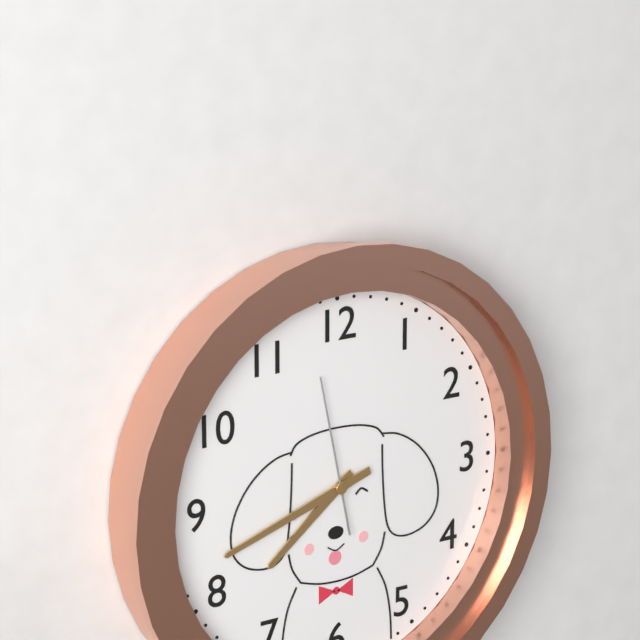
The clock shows 7.42.58
